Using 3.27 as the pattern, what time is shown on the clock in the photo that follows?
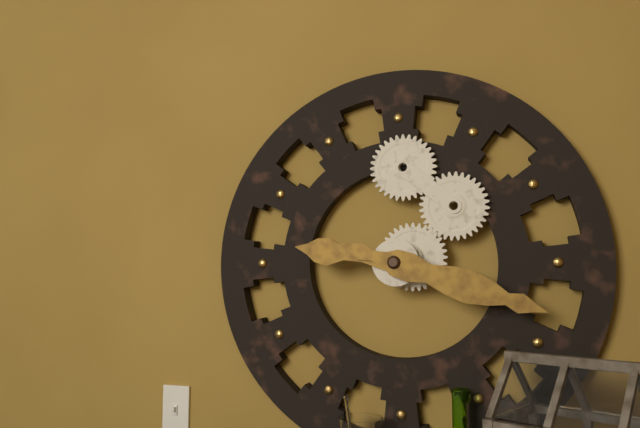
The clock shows 9.18
